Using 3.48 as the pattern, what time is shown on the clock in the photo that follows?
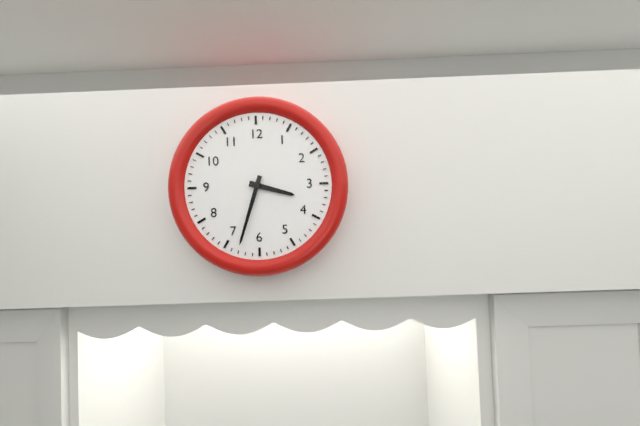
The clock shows 3.33
